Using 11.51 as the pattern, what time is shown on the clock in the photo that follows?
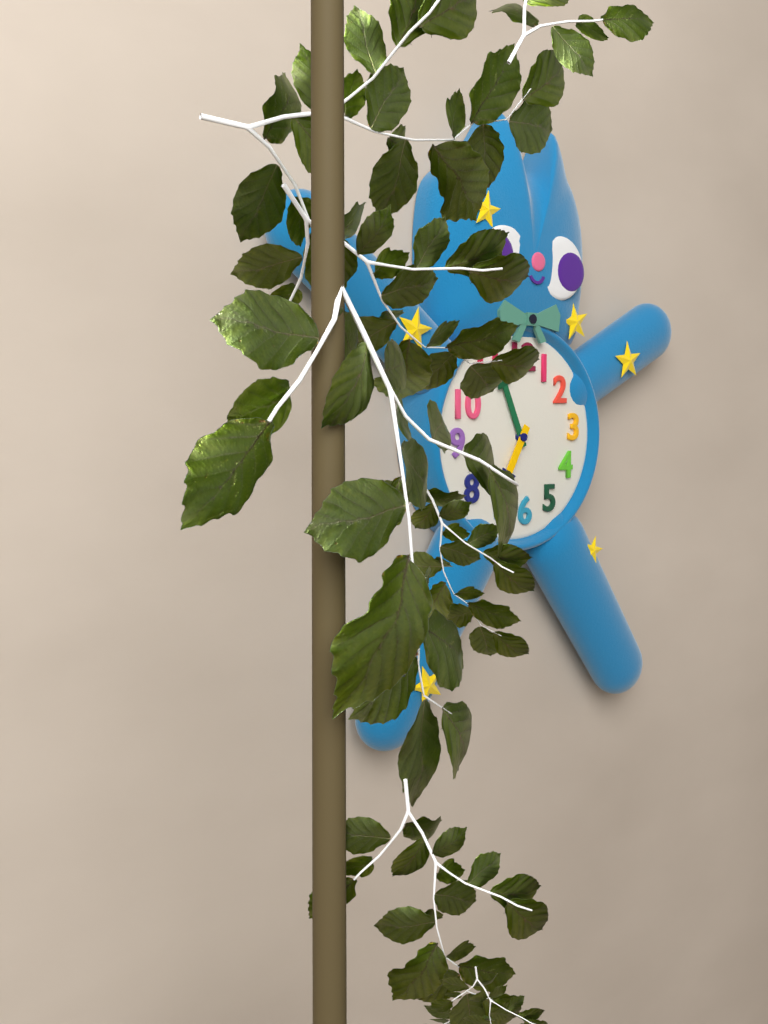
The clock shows 6.56
